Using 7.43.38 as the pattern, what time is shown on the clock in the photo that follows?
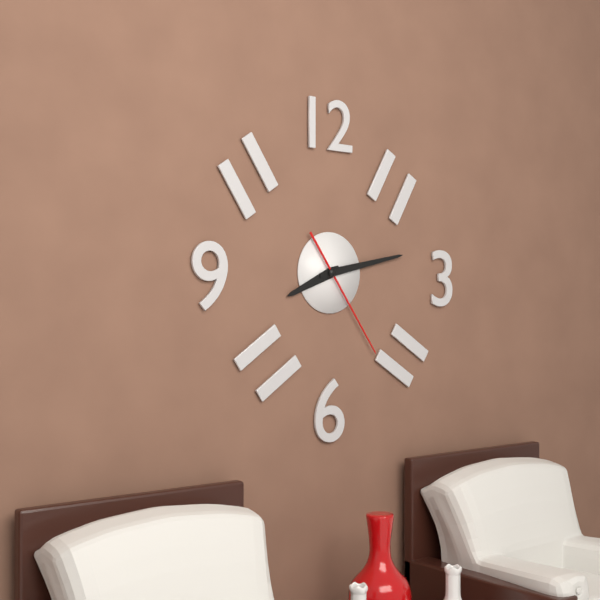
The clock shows 8.13.24
